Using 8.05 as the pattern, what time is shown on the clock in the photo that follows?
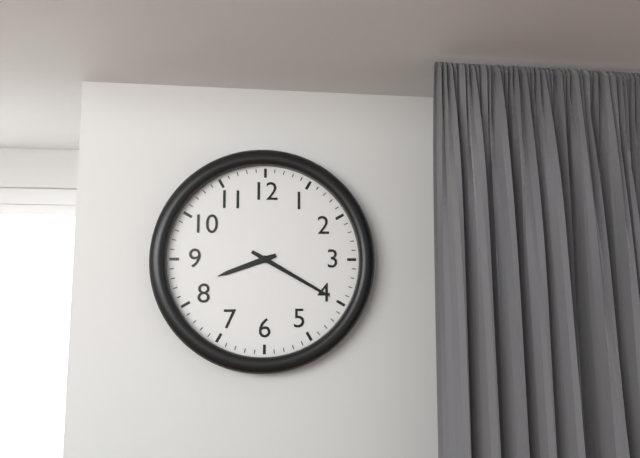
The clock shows 8.20
